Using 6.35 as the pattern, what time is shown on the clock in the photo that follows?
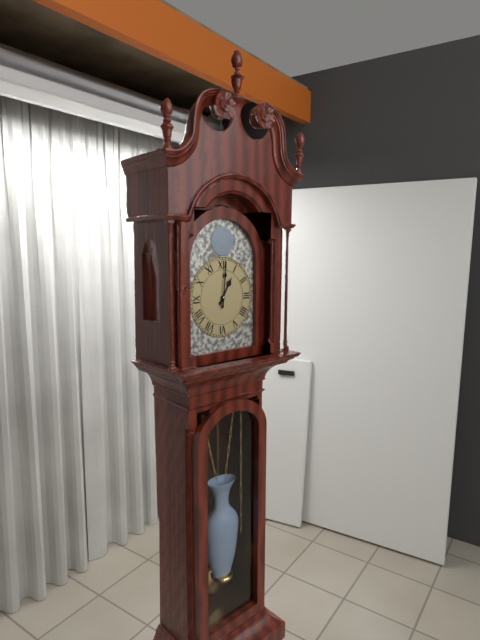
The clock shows 1.01
